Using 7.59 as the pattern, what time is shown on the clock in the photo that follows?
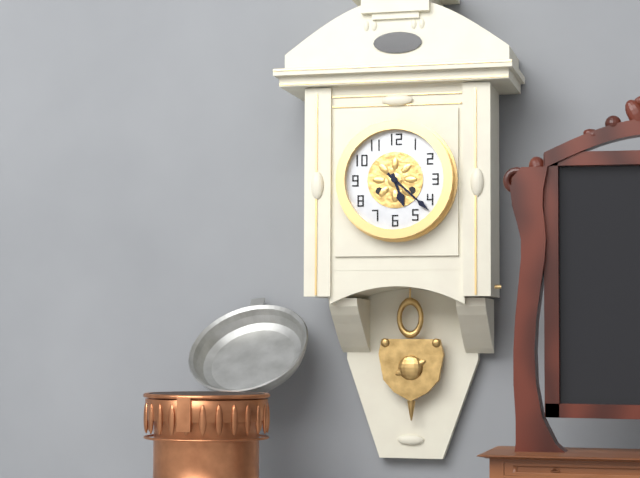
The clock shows 5.22
